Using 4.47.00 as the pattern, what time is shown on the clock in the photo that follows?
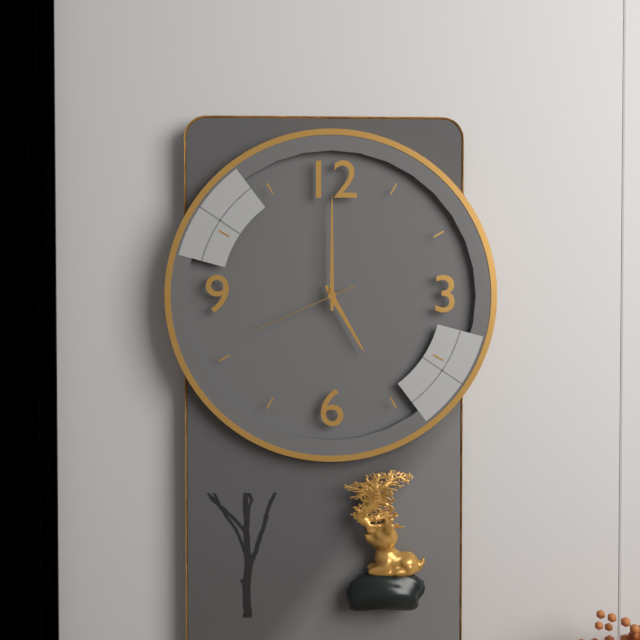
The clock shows 5.00.41
